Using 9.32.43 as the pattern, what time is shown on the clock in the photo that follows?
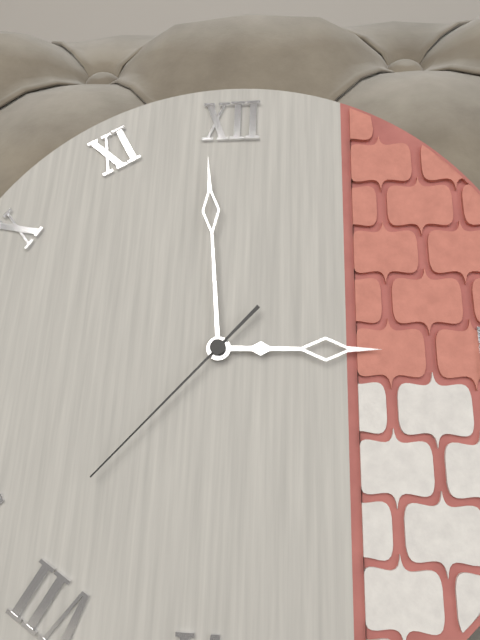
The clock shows 2.59.37
